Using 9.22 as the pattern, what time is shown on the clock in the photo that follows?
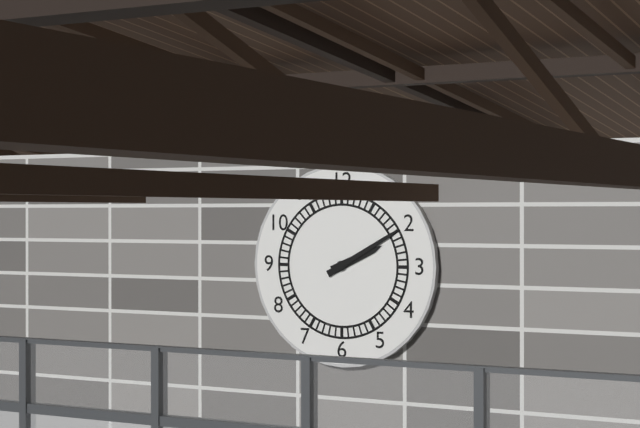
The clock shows 2.10
